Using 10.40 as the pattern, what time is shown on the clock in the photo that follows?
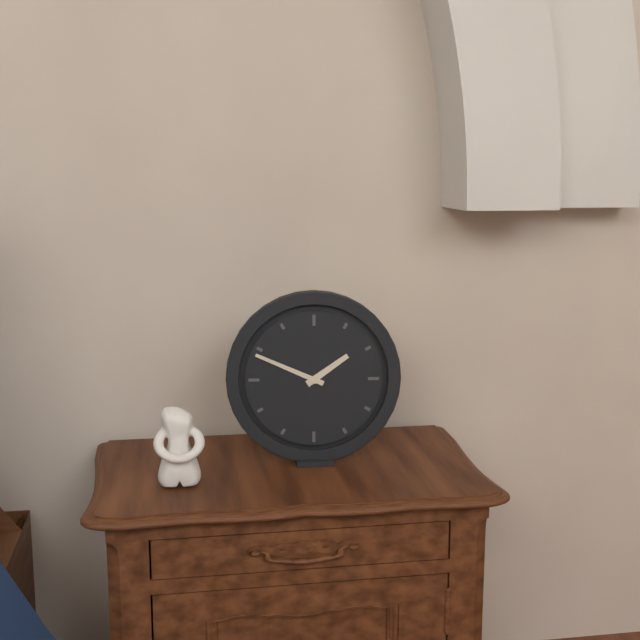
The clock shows 1.49
